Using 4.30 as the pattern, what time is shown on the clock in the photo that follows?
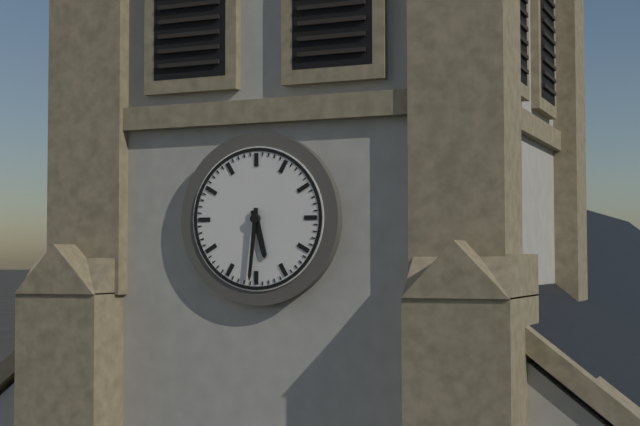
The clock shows 5.31
